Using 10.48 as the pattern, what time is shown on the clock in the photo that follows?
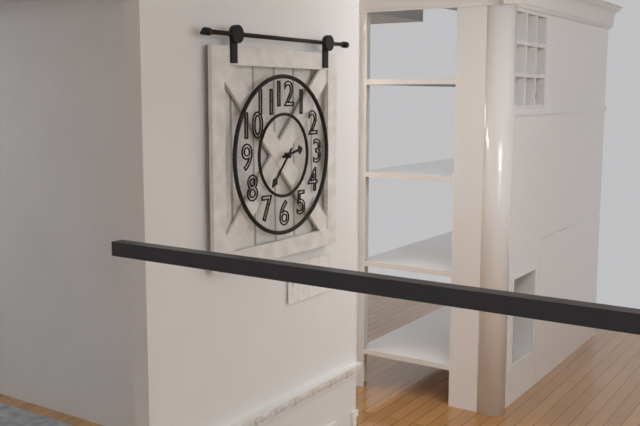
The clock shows 2.37
